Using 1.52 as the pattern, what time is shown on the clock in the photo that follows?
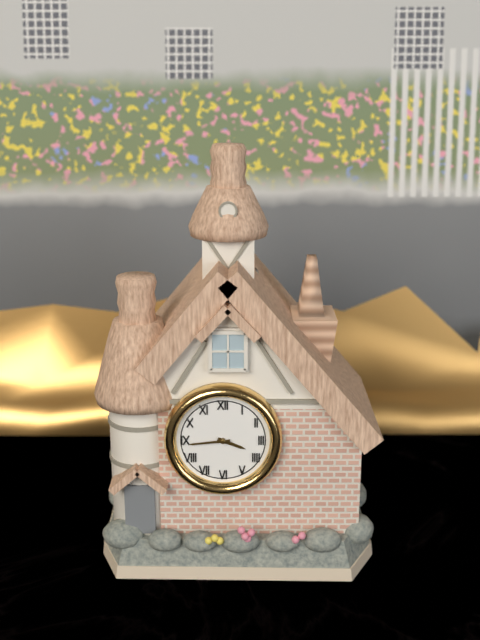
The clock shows 3.44
